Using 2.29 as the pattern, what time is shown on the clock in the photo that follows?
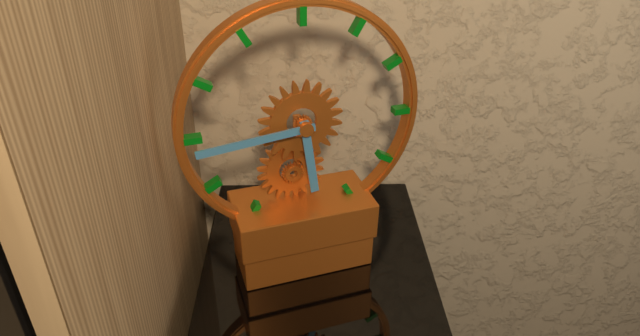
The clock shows 5.44
